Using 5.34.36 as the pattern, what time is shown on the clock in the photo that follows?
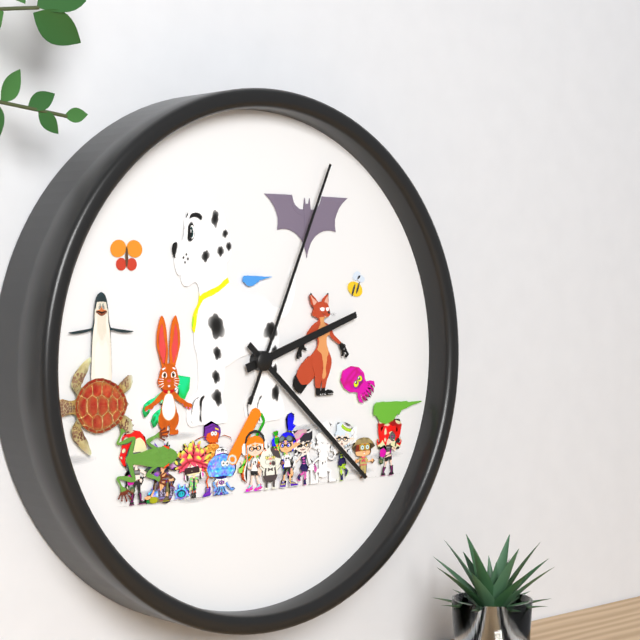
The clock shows 2.22.04
